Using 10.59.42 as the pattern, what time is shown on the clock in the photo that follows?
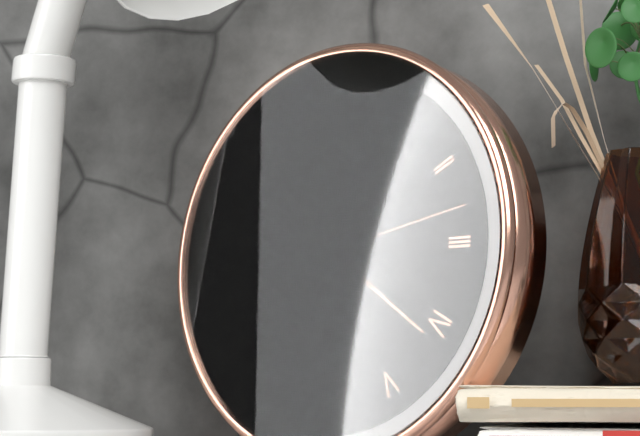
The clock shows 12.21.13
